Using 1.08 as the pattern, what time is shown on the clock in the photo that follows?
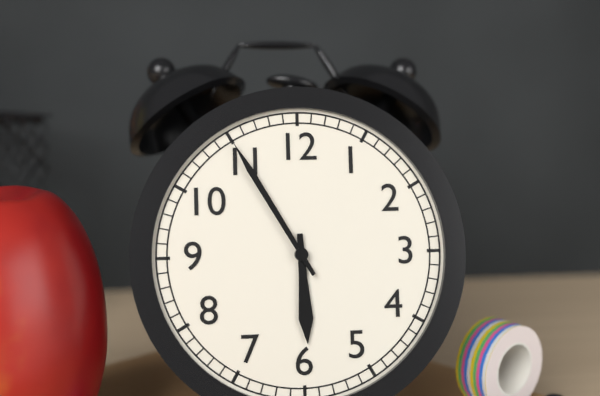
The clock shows 5.55
